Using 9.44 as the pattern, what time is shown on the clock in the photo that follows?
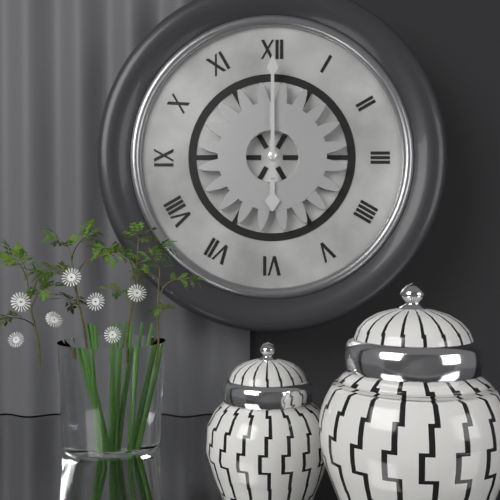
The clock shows 6.00
